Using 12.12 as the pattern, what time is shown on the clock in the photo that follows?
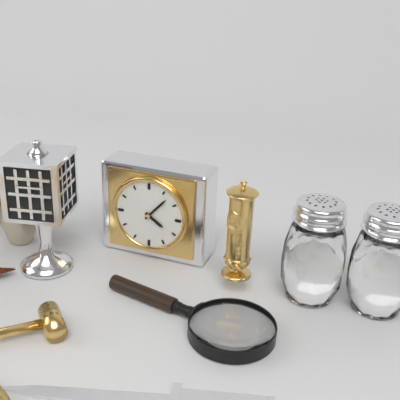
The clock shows 4.07
